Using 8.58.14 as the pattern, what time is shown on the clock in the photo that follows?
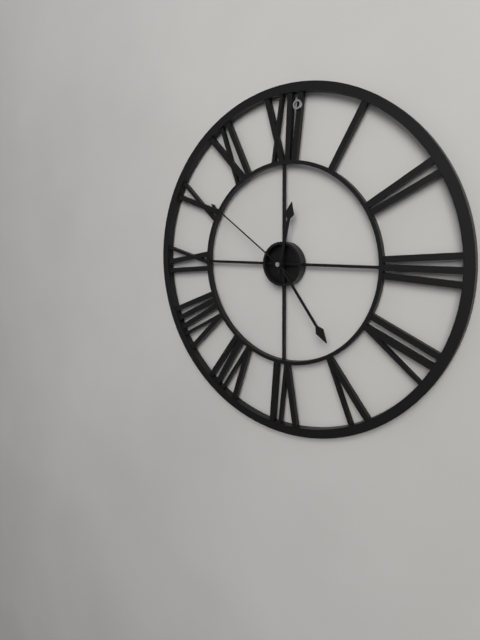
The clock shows 12.24.51
